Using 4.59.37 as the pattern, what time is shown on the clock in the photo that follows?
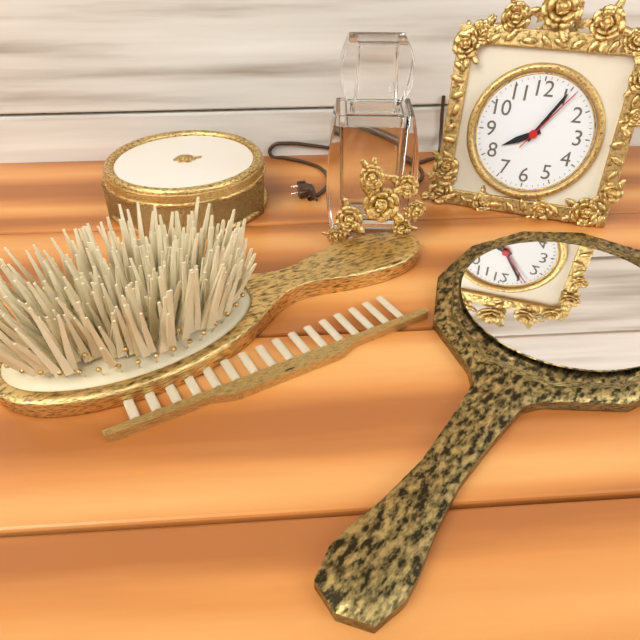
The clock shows 8.05.06
